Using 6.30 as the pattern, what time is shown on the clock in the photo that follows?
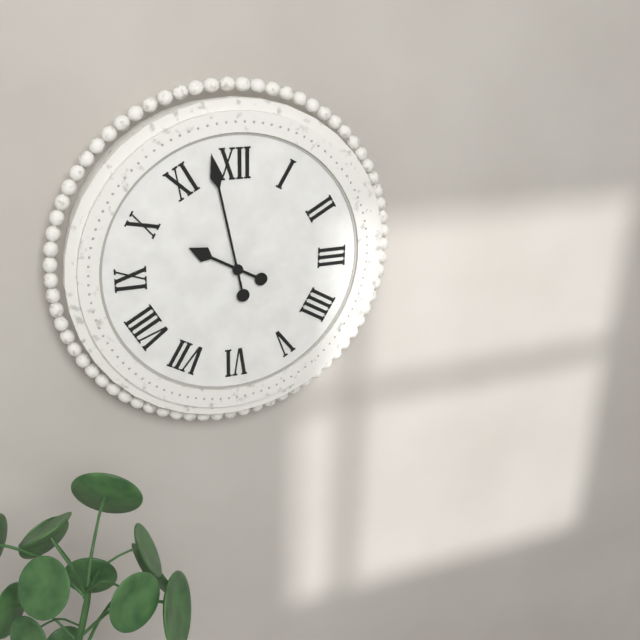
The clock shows 9.58
